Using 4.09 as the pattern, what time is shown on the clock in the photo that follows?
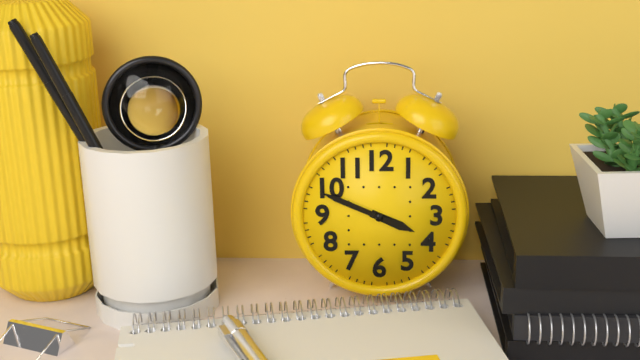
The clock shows 3.49
